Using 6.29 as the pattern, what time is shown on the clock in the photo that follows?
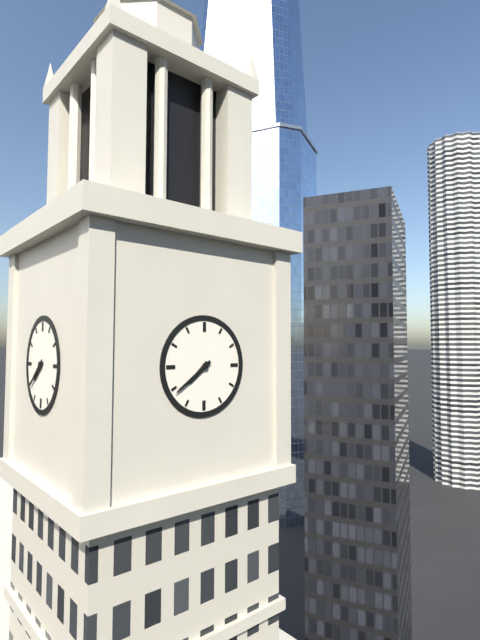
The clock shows 7.39
